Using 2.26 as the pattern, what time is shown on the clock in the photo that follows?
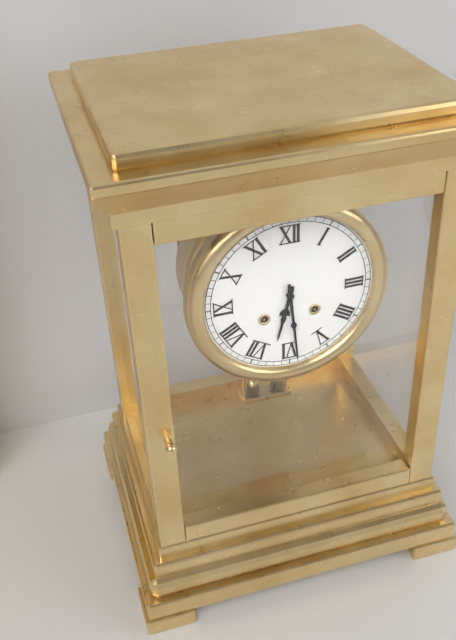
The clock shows 6.29
